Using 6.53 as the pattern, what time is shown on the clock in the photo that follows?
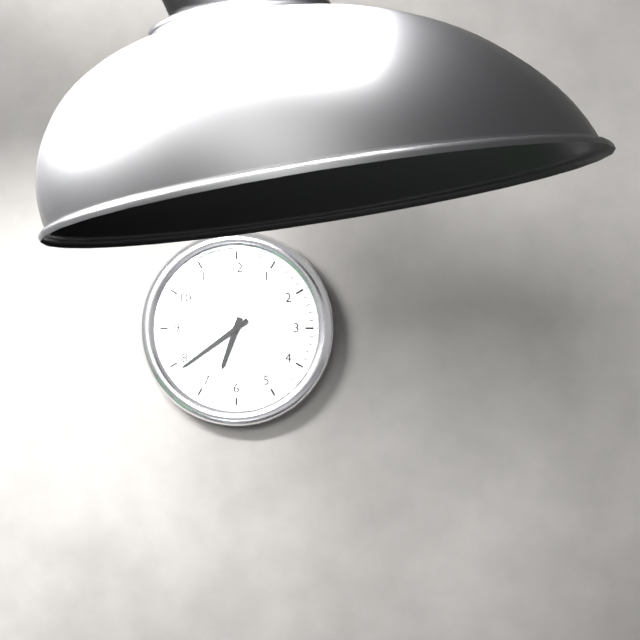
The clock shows 6.39
